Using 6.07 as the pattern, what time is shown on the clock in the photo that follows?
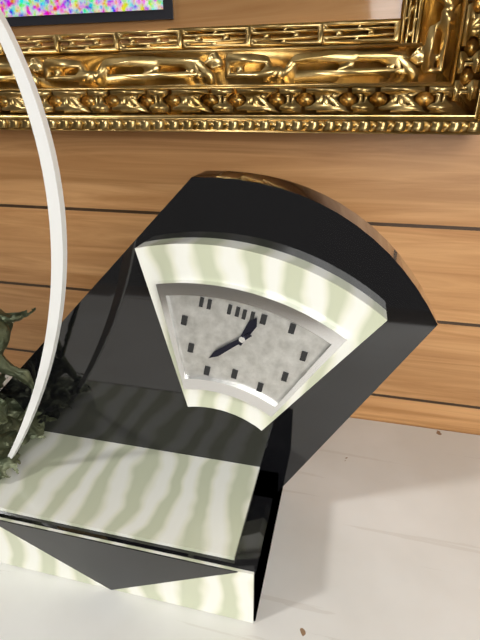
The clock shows 12.37
